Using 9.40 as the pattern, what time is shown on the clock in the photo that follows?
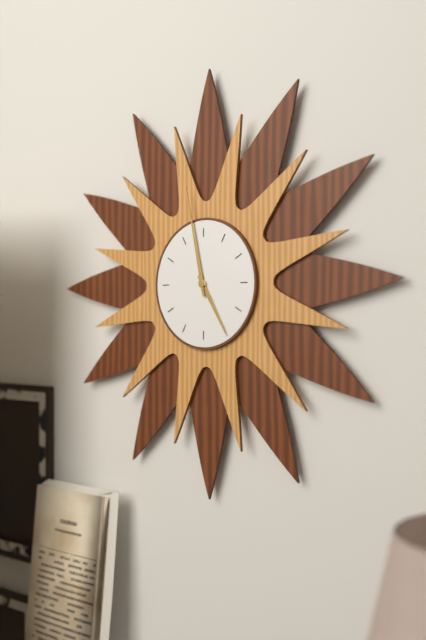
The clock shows 4.58
